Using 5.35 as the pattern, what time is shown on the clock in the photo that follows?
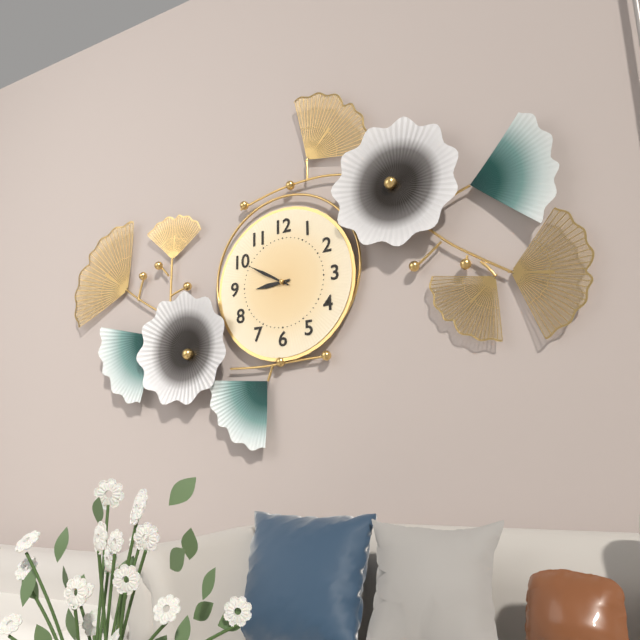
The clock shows 8.50
